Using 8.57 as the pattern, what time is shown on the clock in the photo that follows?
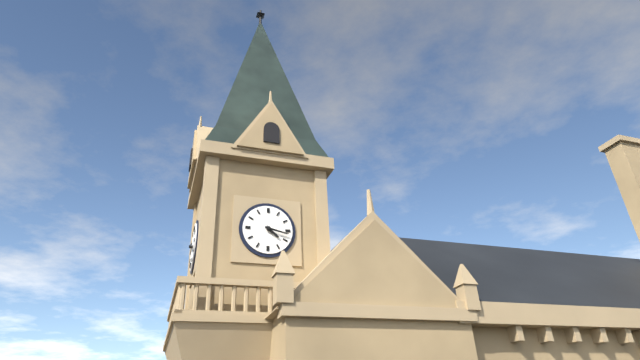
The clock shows 4.17
